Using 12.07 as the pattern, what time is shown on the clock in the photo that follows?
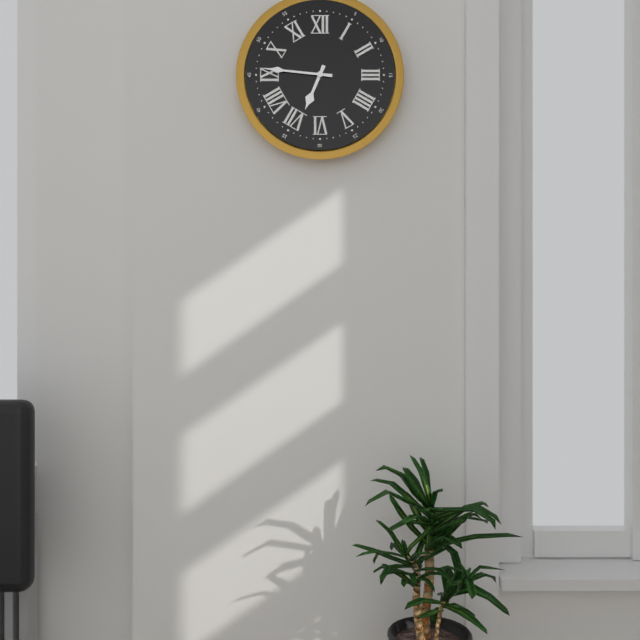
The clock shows 6.46
